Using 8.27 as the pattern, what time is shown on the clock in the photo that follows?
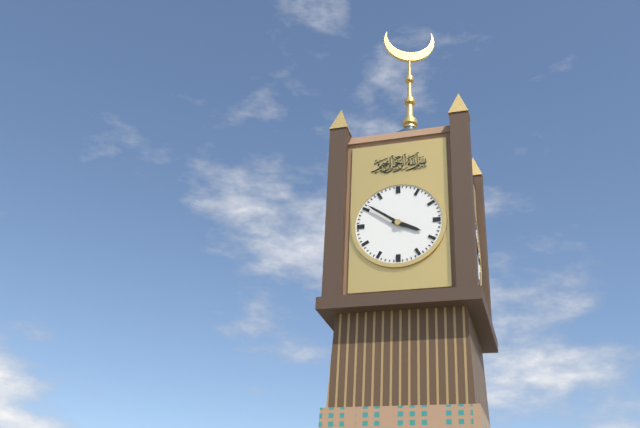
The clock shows 3.51
